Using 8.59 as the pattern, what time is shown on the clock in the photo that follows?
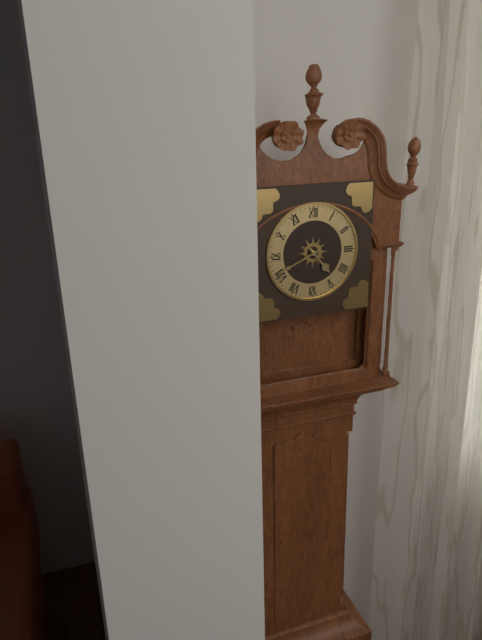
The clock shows 4.41
